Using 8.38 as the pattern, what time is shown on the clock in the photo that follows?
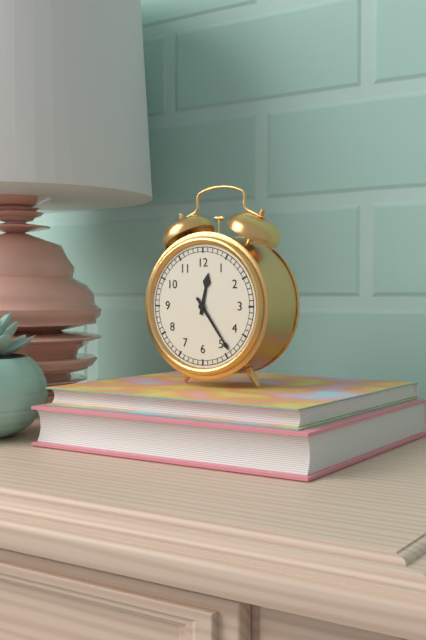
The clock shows 12.24
